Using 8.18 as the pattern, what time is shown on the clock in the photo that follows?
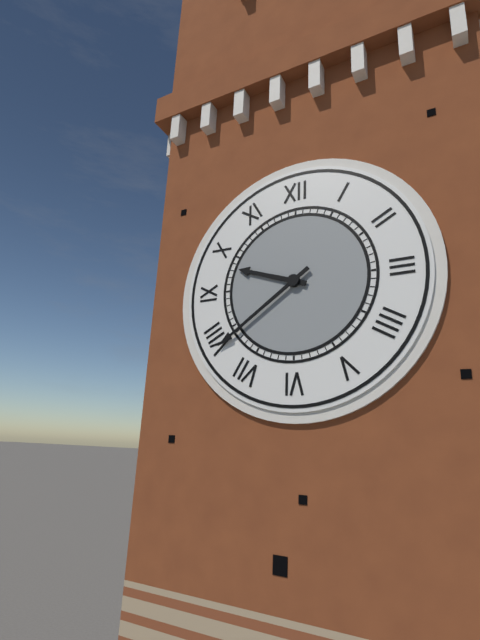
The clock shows 9.39
